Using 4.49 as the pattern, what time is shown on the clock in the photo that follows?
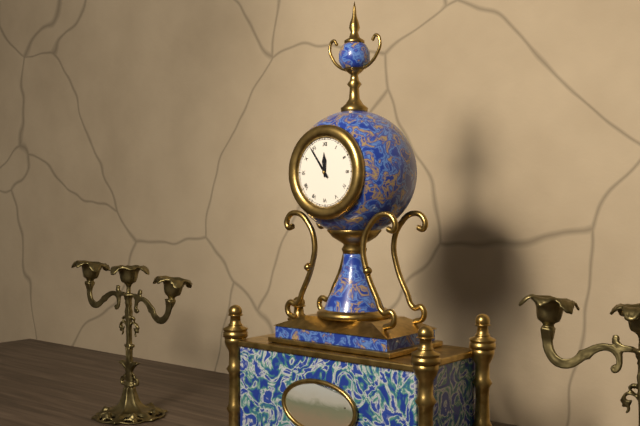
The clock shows 11.54
